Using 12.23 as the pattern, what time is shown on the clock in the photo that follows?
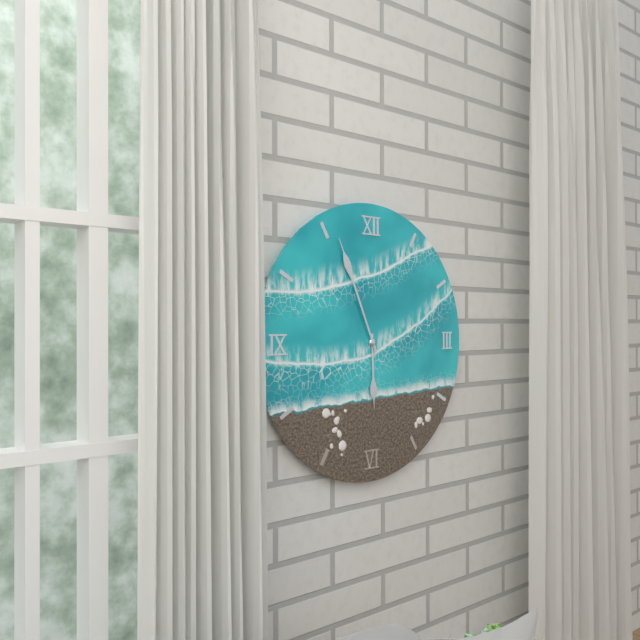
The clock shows 5.56
